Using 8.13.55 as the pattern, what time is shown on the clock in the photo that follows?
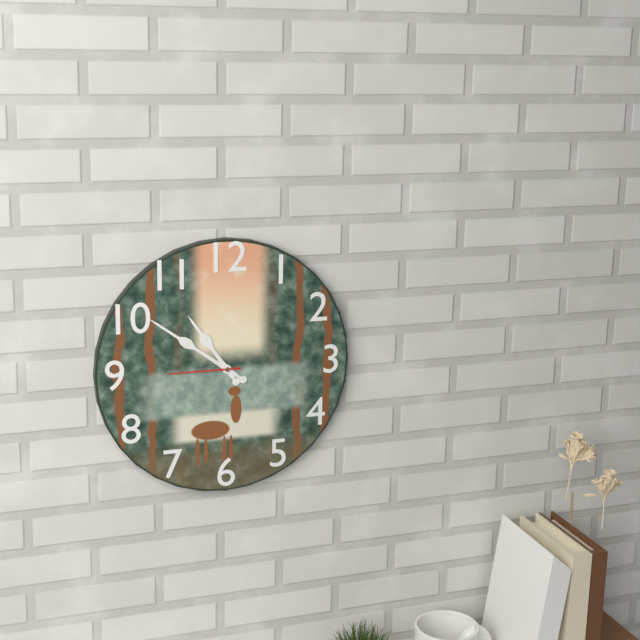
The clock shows 10.51.45
